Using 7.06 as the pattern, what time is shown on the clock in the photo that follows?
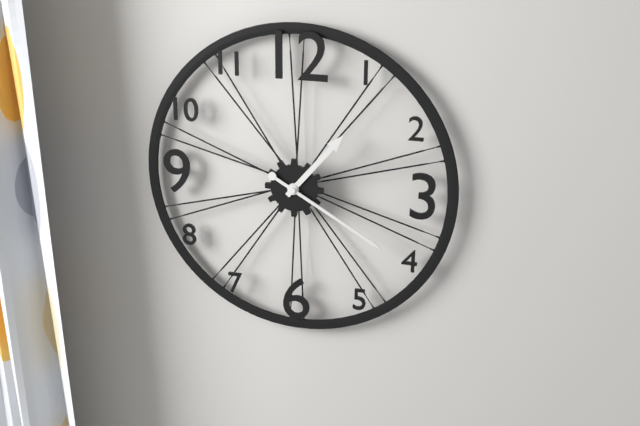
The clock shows 1.20
